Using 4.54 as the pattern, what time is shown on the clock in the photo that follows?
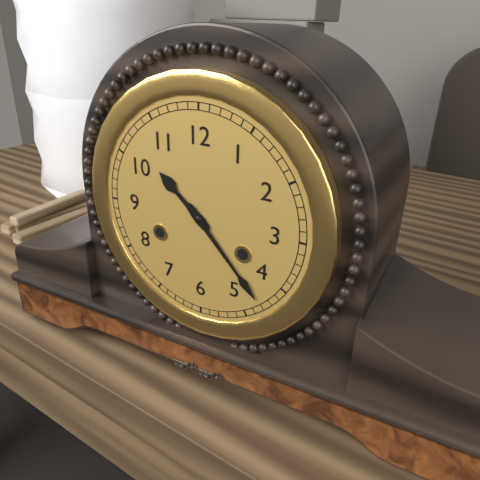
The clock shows 10.23
